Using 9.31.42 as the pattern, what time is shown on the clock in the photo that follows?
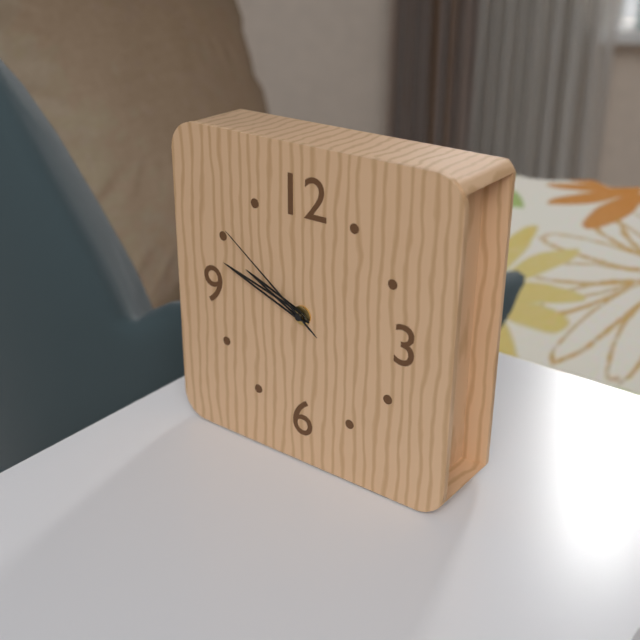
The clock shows 9.48.51
